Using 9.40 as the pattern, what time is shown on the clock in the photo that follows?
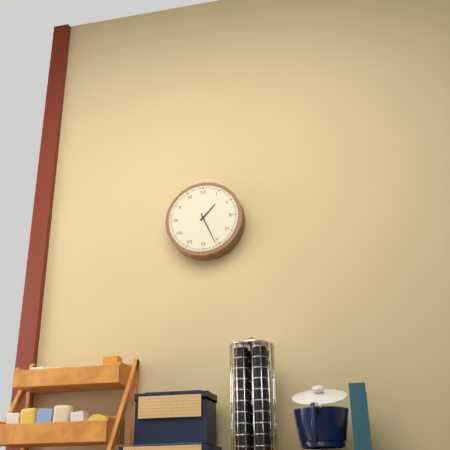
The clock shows 1.26
